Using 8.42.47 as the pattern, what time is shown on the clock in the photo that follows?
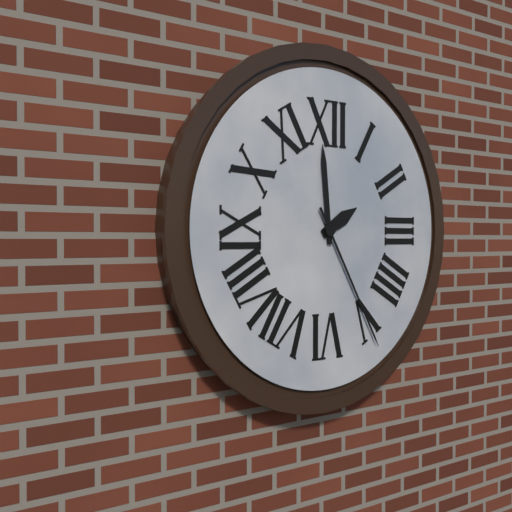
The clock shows 1.59.25
